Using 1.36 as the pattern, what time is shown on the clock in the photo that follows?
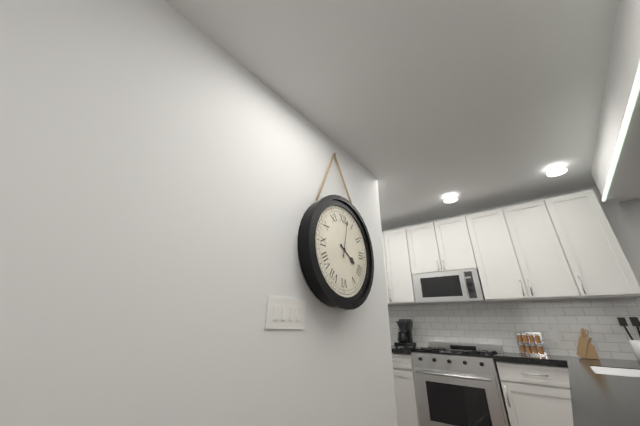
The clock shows 4.02
